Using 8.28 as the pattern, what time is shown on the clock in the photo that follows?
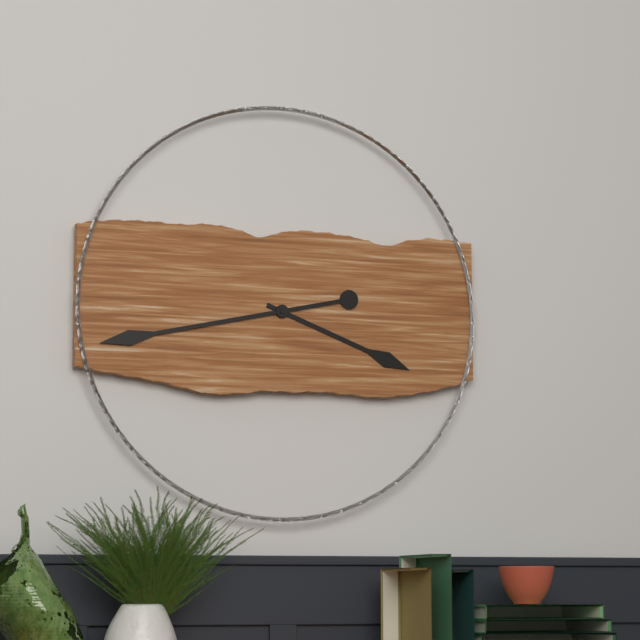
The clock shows 3.43
